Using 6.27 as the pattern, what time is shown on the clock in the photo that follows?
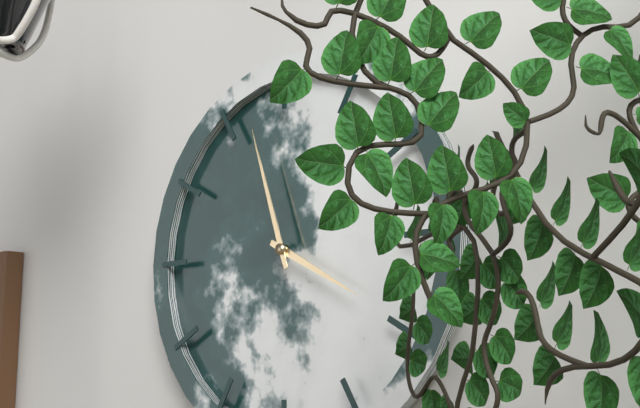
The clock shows 3.57
